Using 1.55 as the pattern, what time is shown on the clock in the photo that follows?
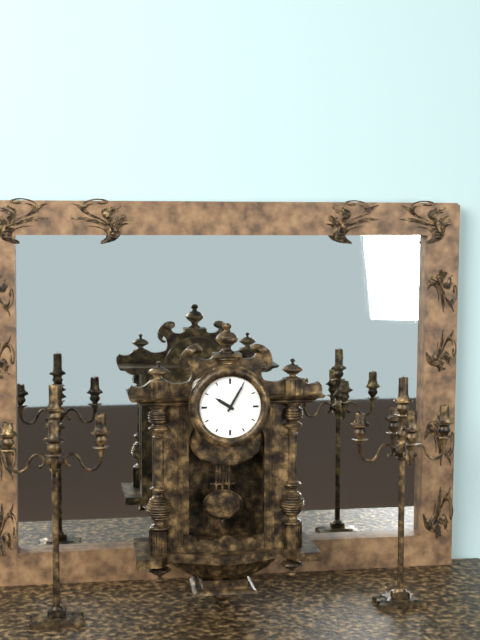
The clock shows 10.05
